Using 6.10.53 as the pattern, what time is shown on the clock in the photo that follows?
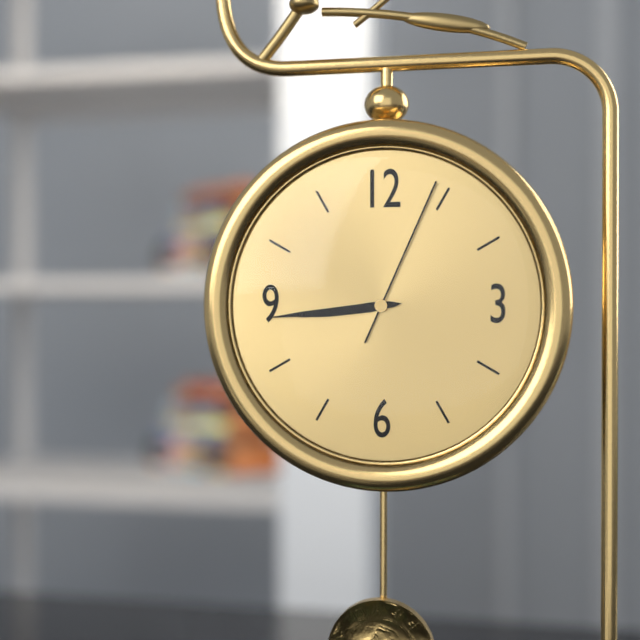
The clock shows 8.44.04
